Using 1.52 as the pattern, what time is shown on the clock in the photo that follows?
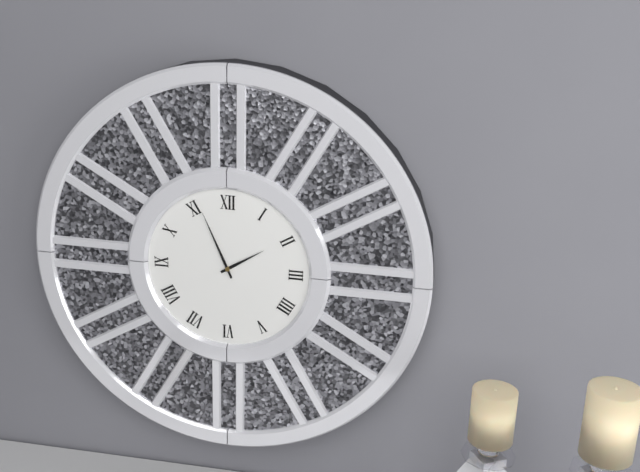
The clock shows 1.56
